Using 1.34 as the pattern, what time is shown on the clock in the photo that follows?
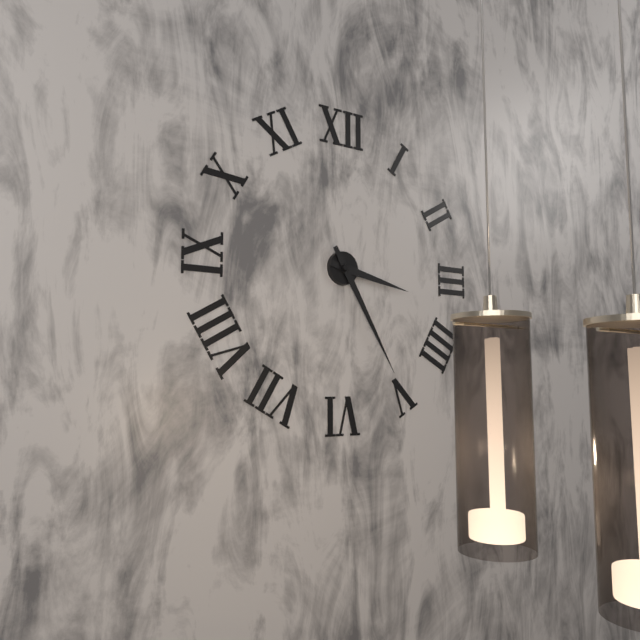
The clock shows 3.25
